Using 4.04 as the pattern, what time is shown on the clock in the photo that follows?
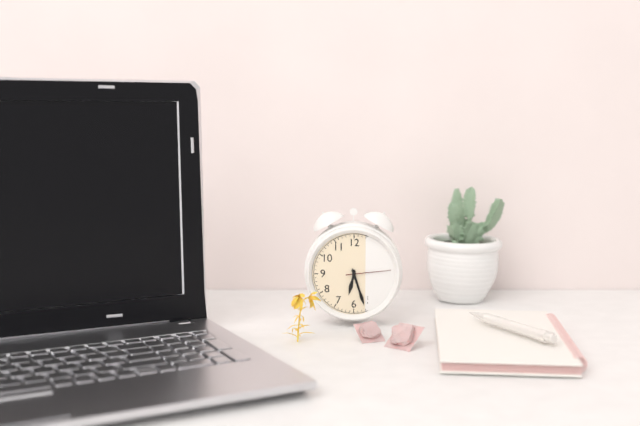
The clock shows 6.27
